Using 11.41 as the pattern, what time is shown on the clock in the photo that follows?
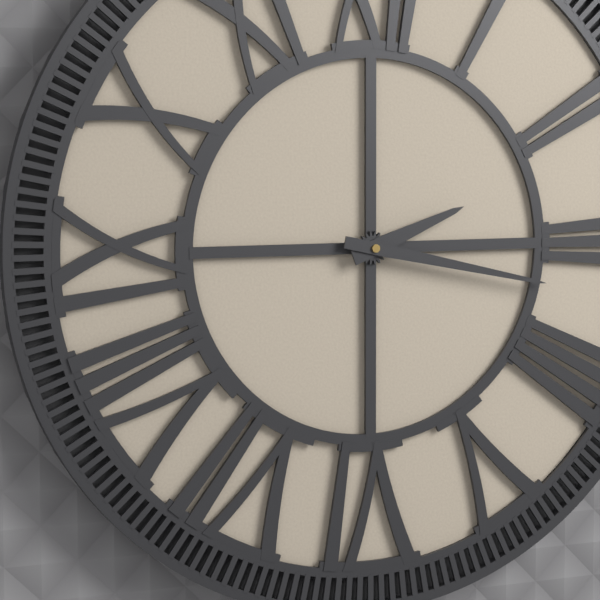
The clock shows 2.17
